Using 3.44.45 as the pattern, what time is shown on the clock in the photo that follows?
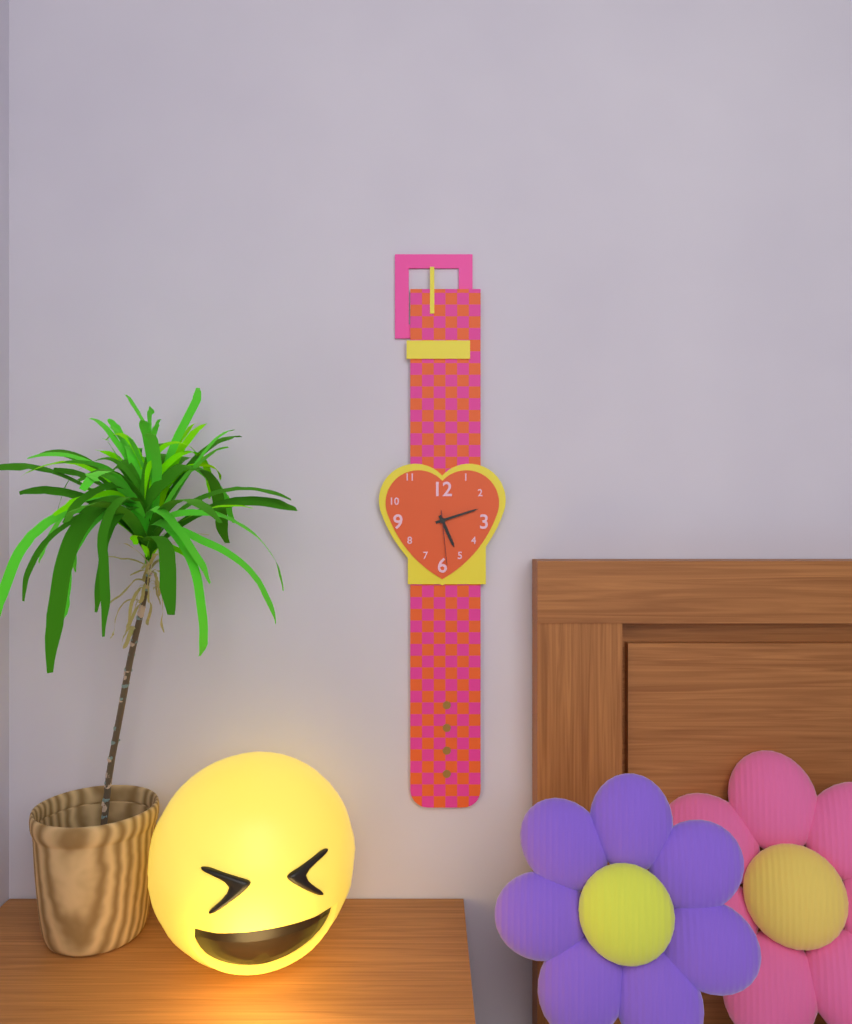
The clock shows 5.12.29
